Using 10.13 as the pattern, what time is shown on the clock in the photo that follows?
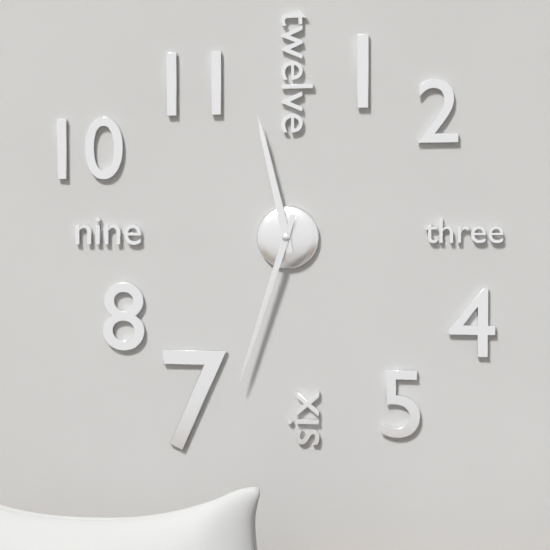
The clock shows 11.33
